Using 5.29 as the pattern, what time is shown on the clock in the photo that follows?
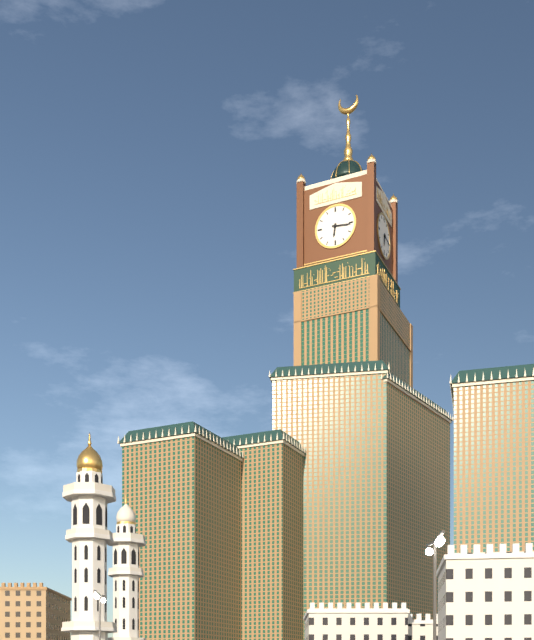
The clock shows 6.16
